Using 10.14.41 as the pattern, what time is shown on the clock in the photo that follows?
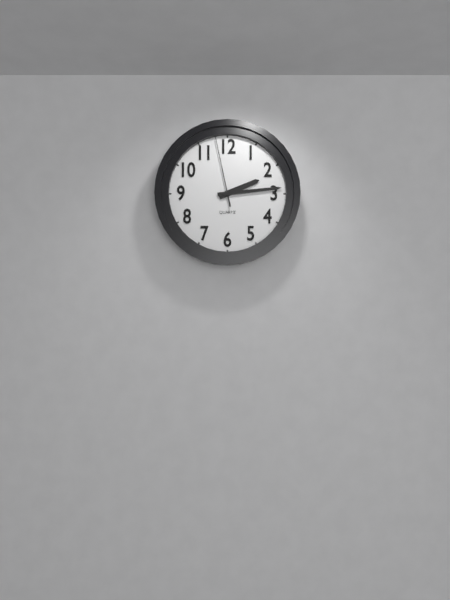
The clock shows 2.14.58
